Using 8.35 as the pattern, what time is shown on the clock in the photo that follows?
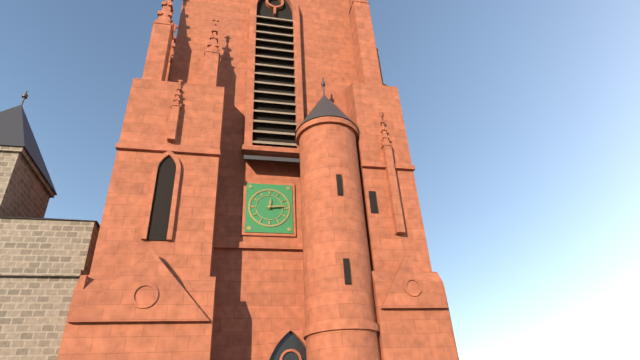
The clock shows 12.14
